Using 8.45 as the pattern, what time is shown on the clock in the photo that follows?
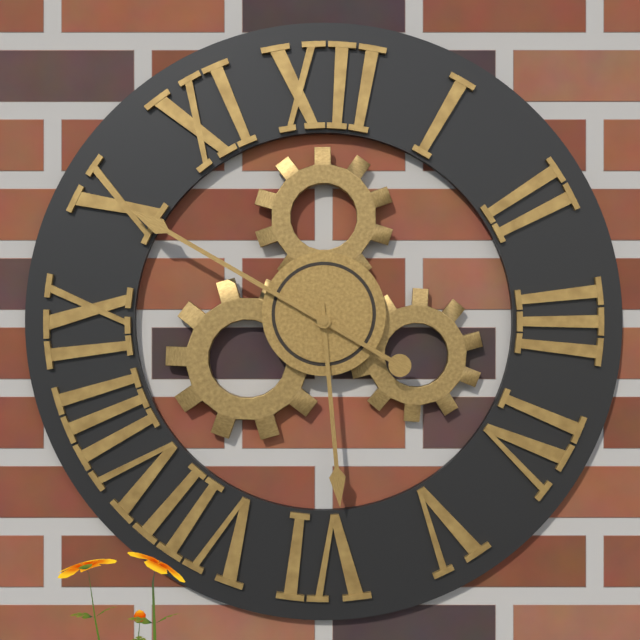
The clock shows 5.50
